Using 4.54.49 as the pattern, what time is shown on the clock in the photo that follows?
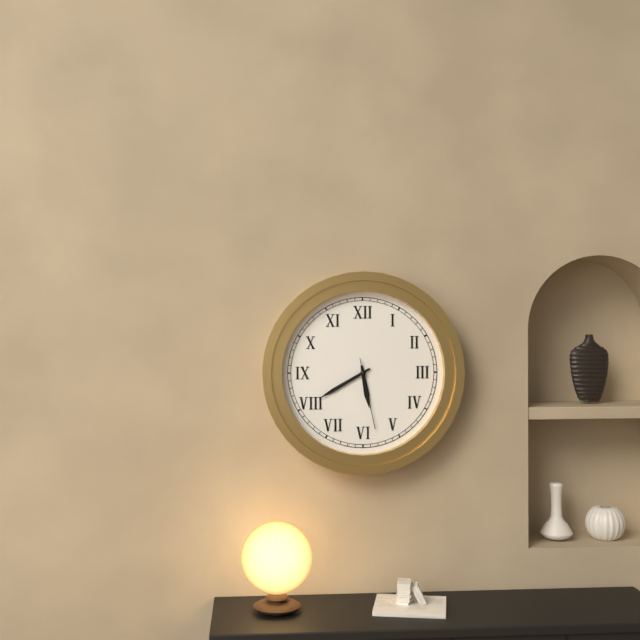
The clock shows 5.40.28
